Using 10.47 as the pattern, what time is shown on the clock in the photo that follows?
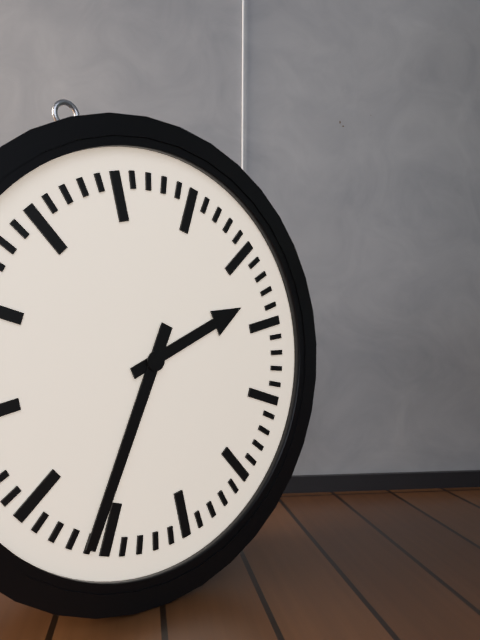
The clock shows 2.36
